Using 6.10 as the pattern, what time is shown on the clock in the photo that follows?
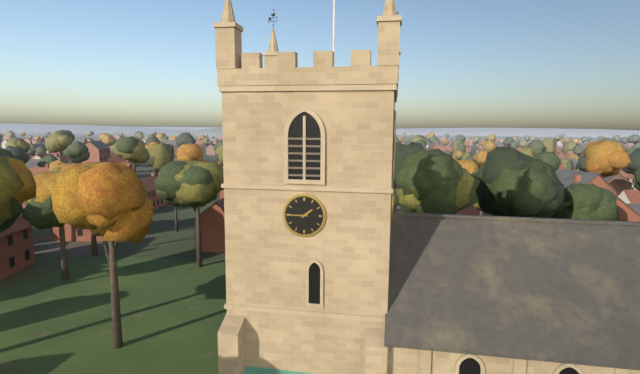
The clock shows 1.45
